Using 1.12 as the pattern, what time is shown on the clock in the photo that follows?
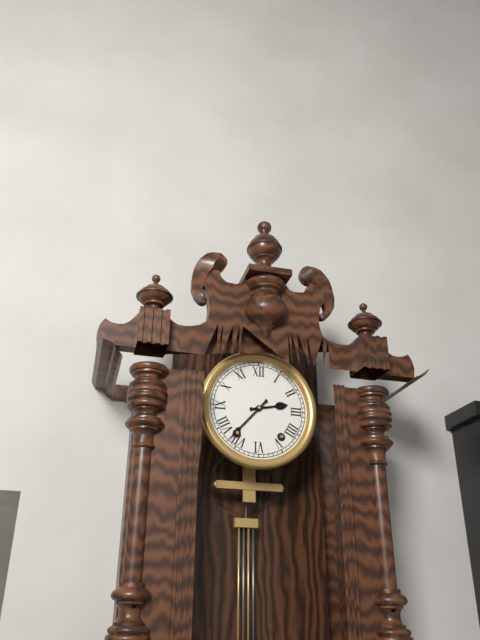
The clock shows 2.37
